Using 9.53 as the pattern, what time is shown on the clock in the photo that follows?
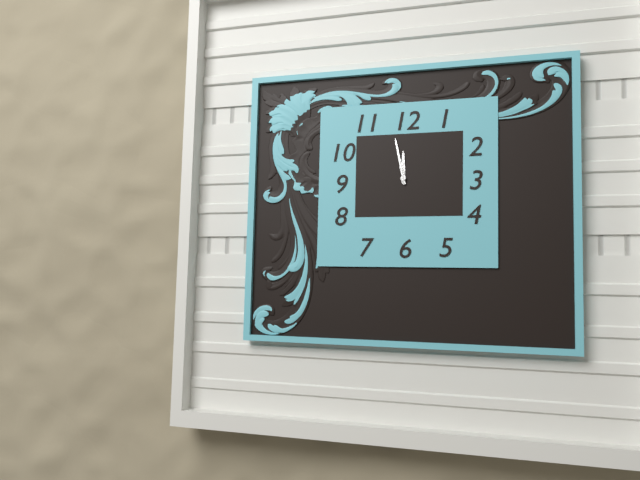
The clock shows 11.58
